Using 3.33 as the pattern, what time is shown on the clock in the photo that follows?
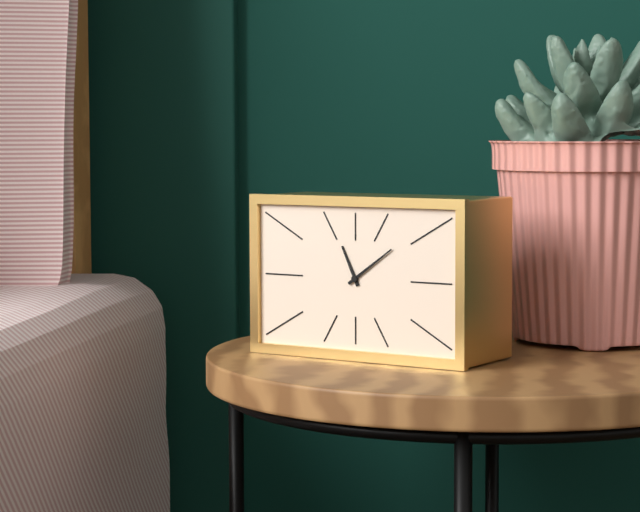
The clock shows 11.09
